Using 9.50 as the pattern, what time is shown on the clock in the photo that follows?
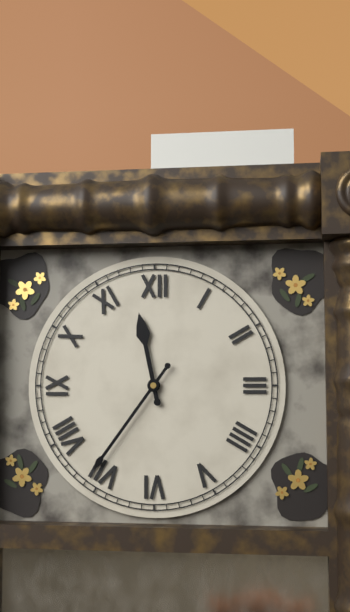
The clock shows 11.36
